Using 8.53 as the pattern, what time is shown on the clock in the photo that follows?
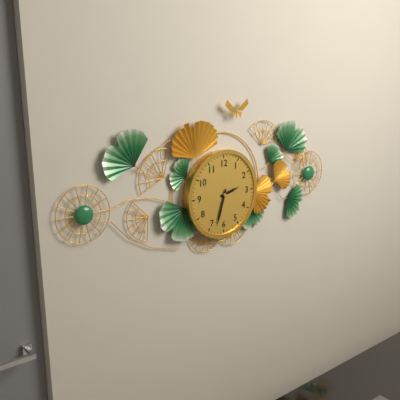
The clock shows 2.33
